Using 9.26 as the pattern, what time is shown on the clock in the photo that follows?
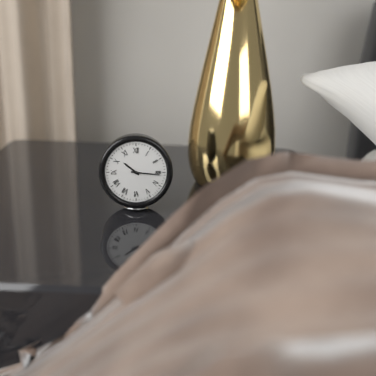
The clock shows 10.16
